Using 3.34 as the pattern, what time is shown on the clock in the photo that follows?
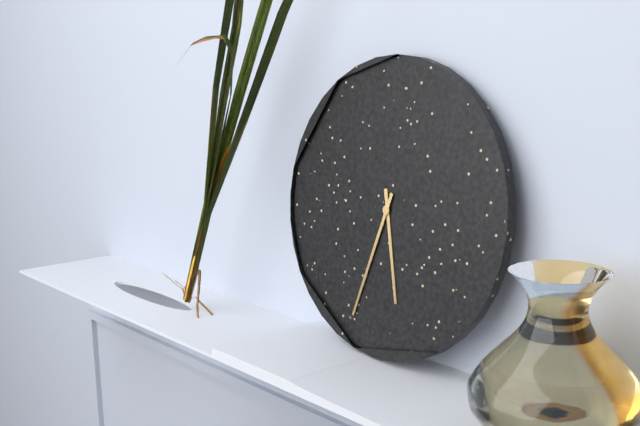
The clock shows 5.33
